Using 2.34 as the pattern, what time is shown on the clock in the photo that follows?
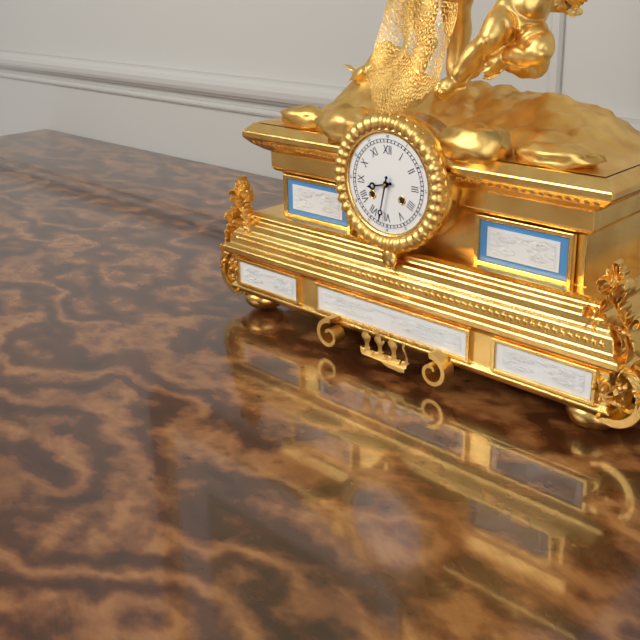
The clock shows 8.32
